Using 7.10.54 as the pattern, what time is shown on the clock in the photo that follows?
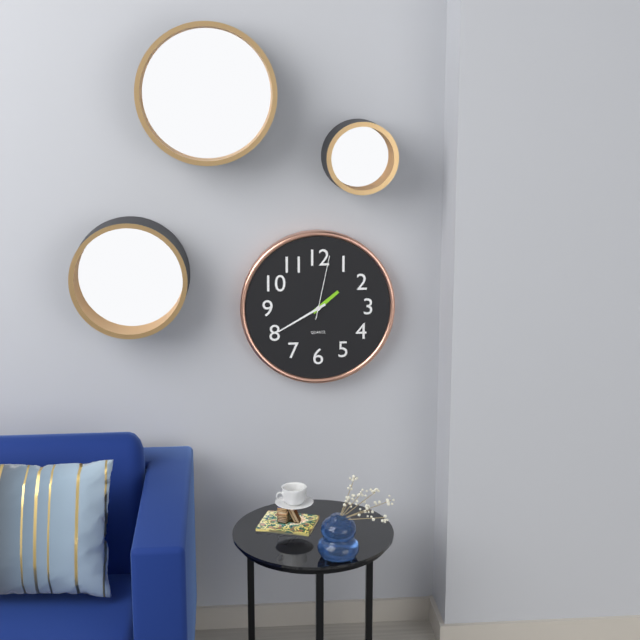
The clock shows 1.40.02
